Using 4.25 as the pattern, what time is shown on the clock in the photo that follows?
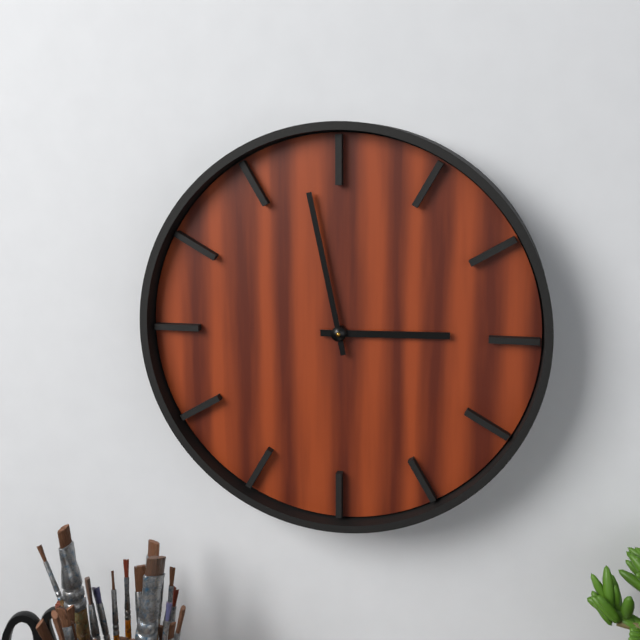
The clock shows 2.58
